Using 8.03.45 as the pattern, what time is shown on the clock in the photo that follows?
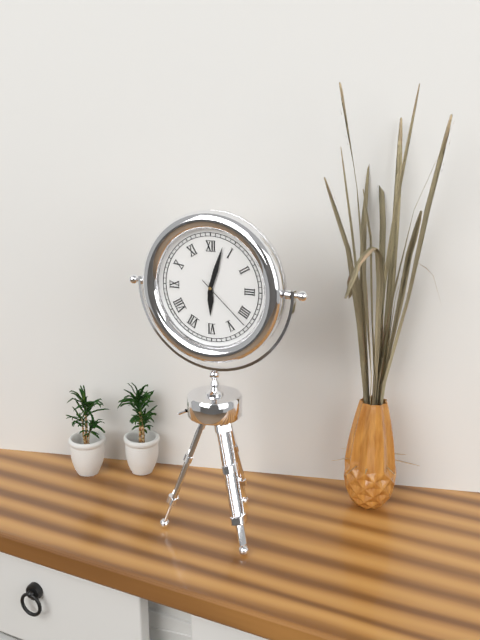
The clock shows 6.03.22
